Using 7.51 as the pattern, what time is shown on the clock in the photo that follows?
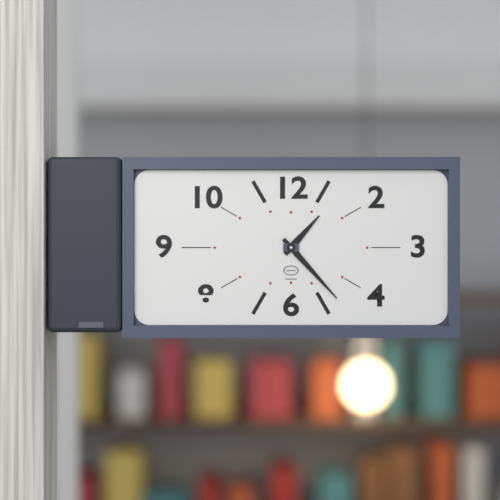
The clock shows 1.23
